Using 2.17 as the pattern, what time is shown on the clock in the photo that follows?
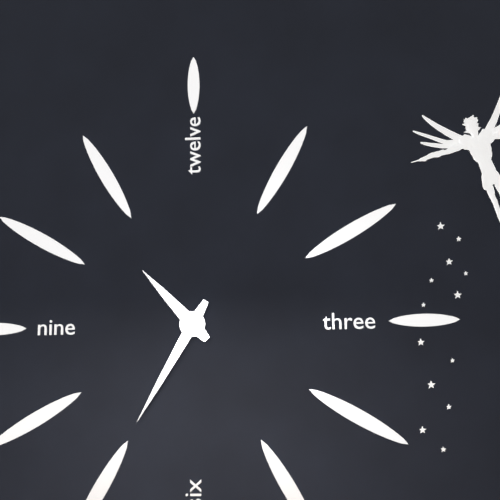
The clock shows 10.35
